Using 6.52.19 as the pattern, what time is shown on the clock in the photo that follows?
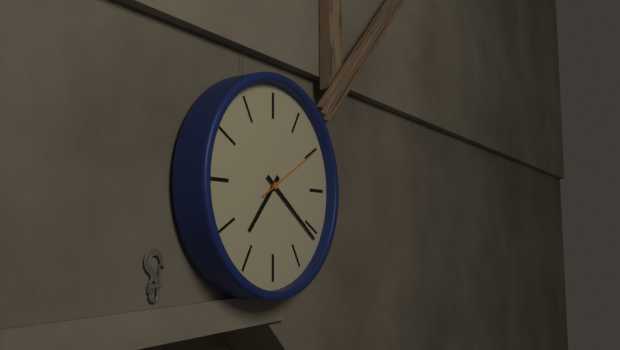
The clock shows 7.21.10
